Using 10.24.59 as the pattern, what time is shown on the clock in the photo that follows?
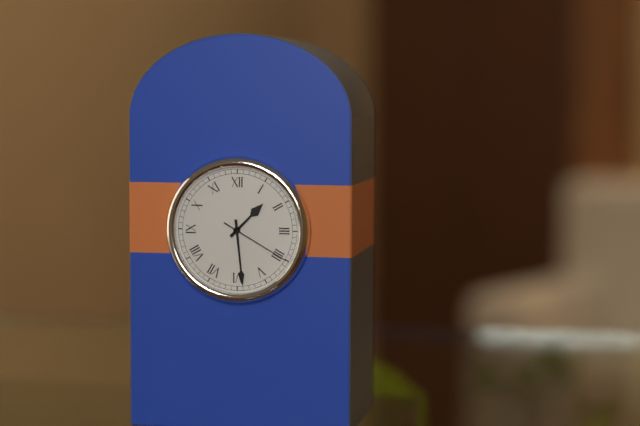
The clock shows 1.29.20
